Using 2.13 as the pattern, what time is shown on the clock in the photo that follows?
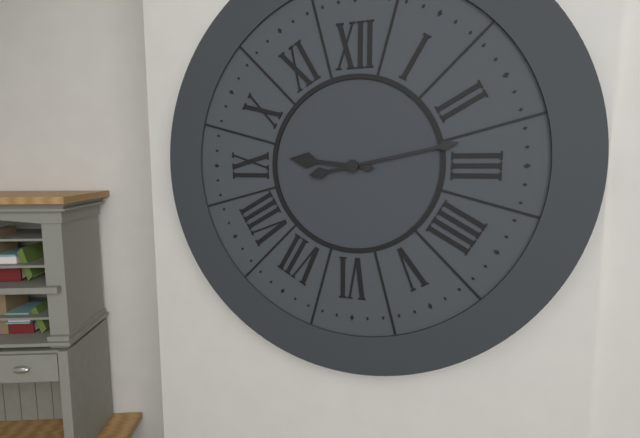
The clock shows 9.13
